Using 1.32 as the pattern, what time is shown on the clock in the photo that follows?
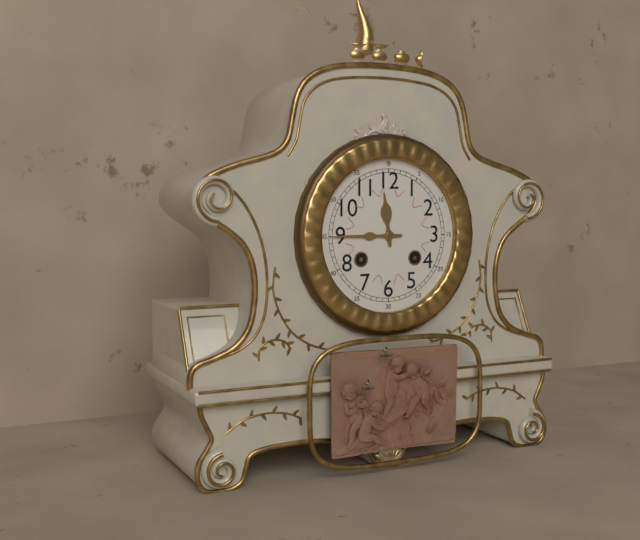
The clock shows 11.45
